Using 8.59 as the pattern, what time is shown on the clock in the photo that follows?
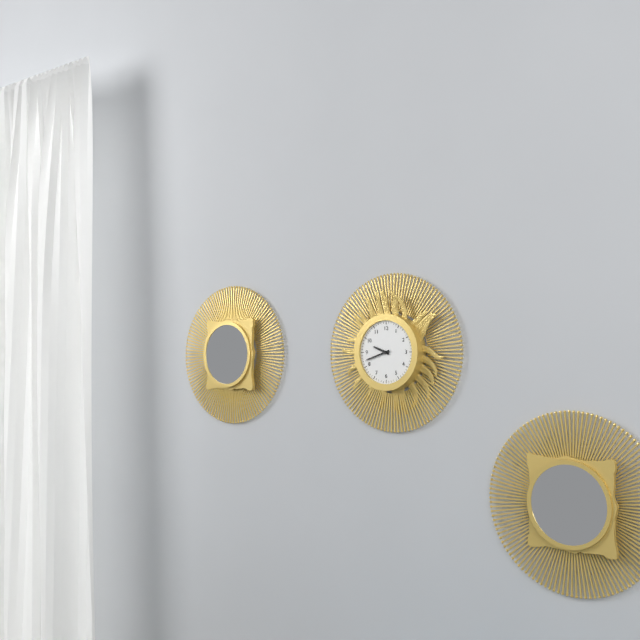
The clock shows 9.42
